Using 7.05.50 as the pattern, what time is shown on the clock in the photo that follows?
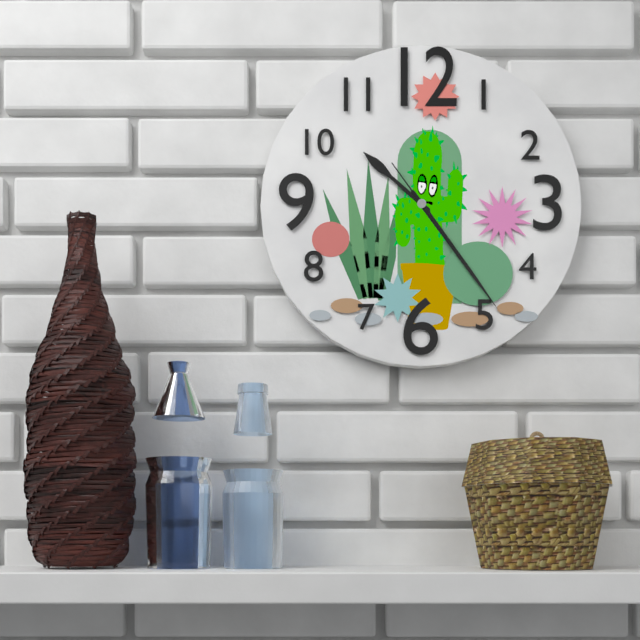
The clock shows 10.24.24
